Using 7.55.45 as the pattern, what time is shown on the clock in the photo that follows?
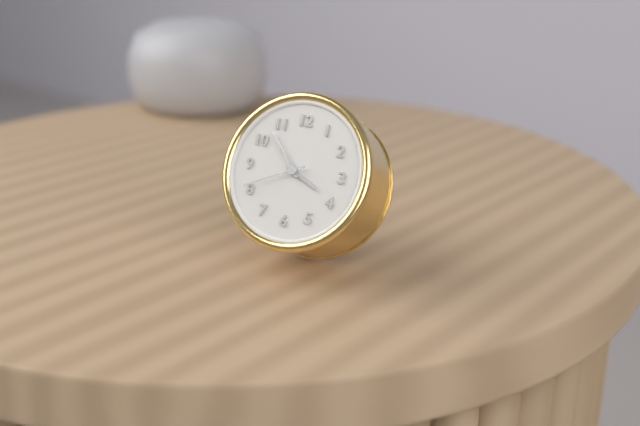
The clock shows 3.53.41
